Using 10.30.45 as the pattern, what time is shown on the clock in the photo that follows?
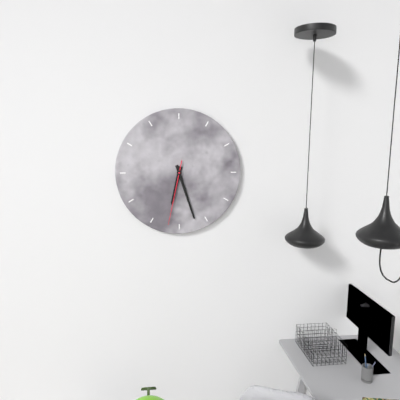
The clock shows 6.27.32
